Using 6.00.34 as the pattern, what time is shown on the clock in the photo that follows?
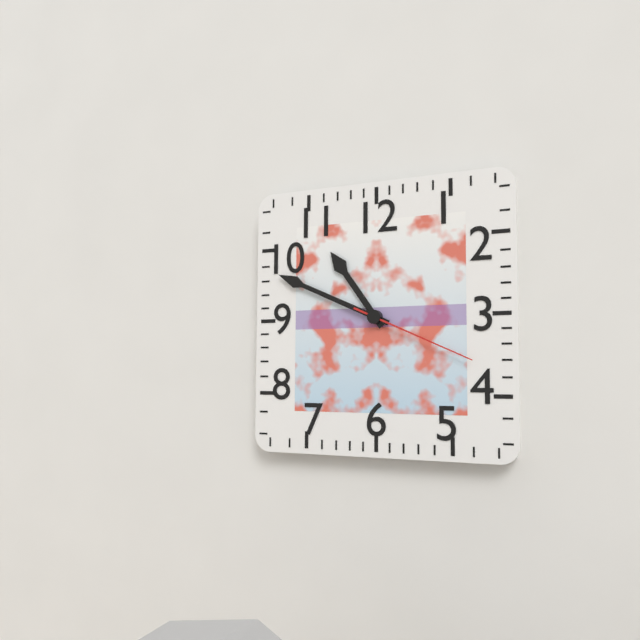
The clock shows 10.49.19
